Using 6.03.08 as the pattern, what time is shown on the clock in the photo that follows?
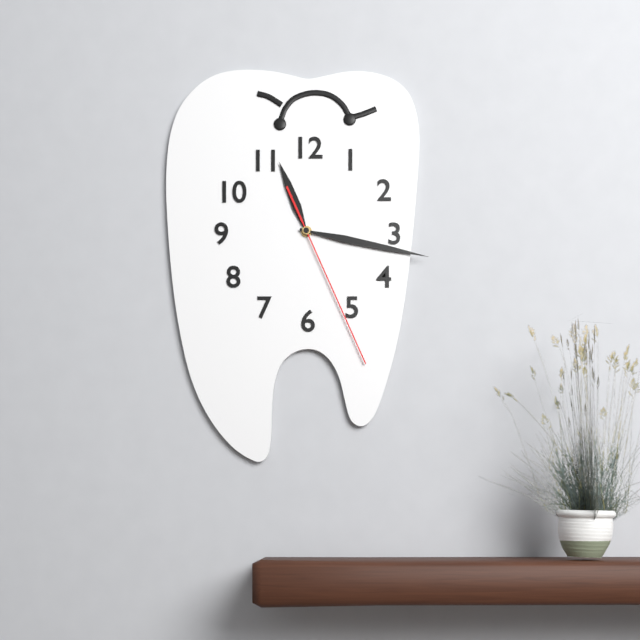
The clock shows 11.17.26
